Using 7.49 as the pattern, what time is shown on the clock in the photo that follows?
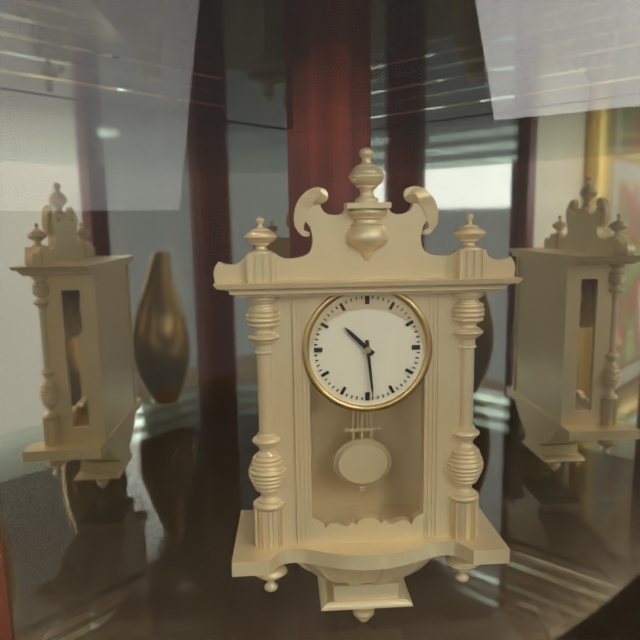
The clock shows 10.29
